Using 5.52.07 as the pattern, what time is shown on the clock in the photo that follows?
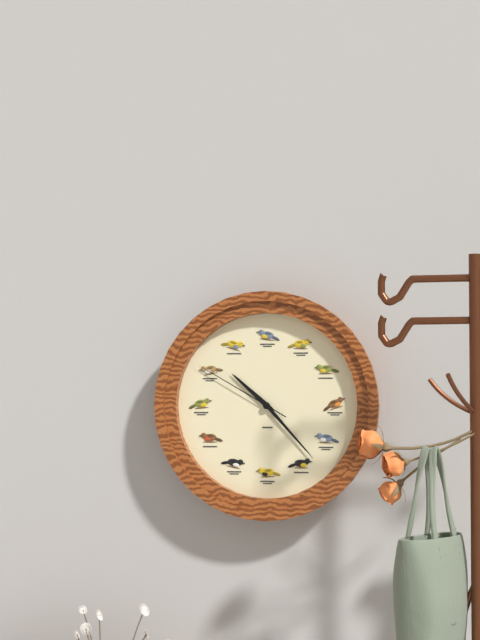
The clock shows 10.23.50
